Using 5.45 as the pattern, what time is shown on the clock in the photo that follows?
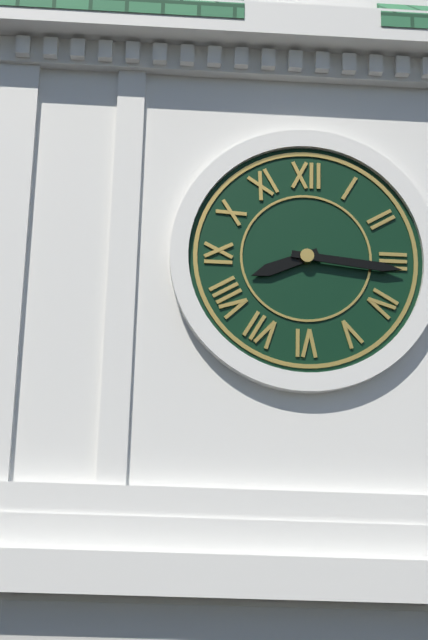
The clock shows 8.16
